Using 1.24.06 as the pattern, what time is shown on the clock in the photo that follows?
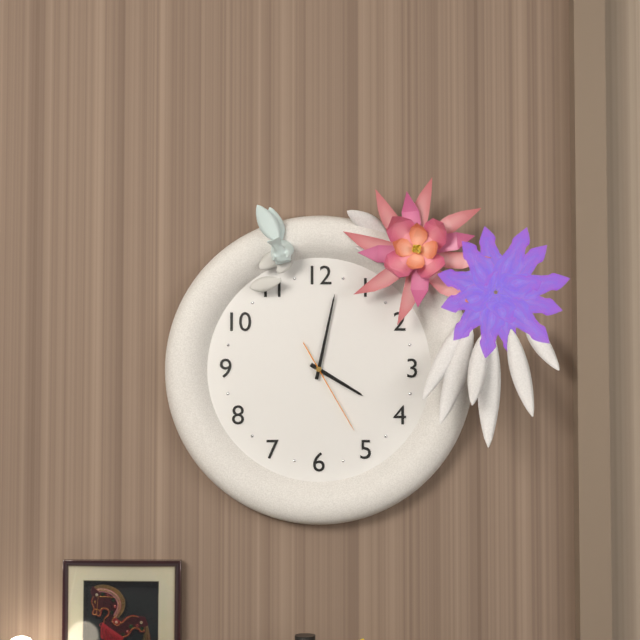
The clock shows 4.02.25
